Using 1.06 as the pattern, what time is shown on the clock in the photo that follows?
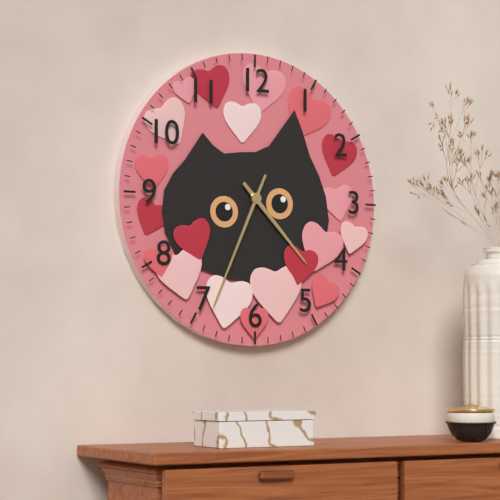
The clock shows 4.34
